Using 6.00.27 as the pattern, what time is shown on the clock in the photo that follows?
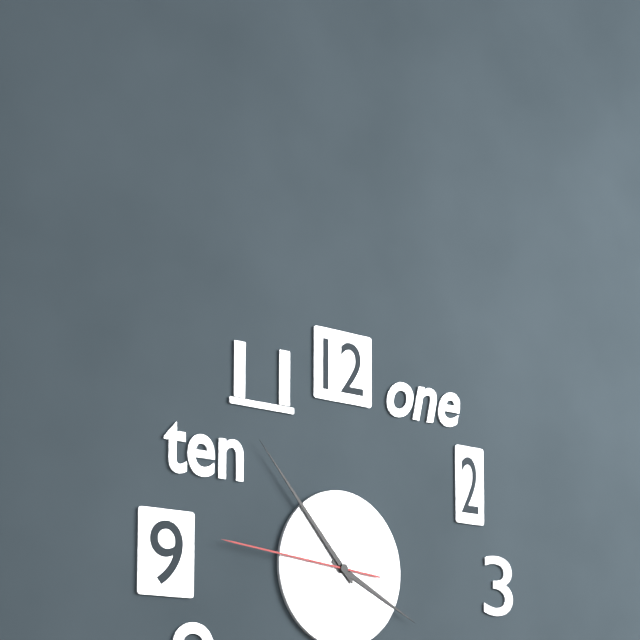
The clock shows 3.53.46
